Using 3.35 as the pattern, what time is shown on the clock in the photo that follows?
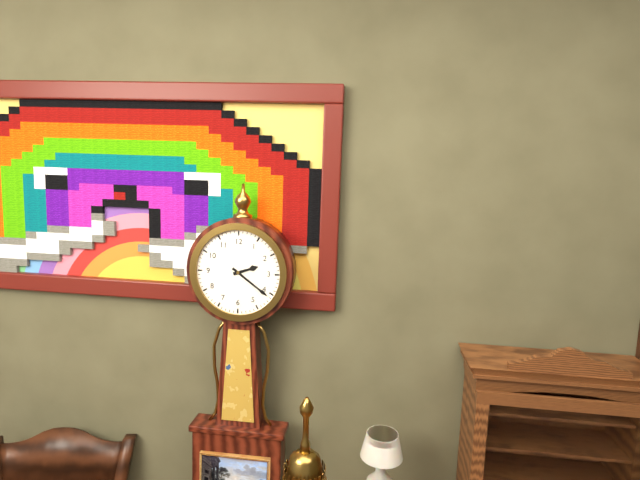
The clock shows 2.21
